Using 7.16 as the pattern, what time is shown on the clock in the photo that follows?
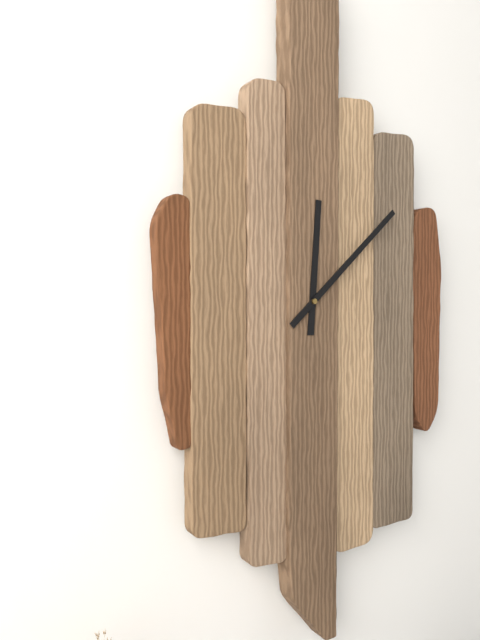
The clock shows 12.08
